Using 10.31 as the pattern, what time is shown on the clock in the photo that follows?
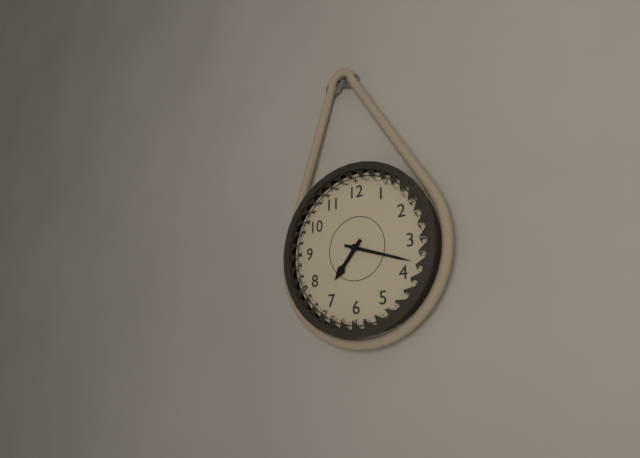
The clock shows 7.18
